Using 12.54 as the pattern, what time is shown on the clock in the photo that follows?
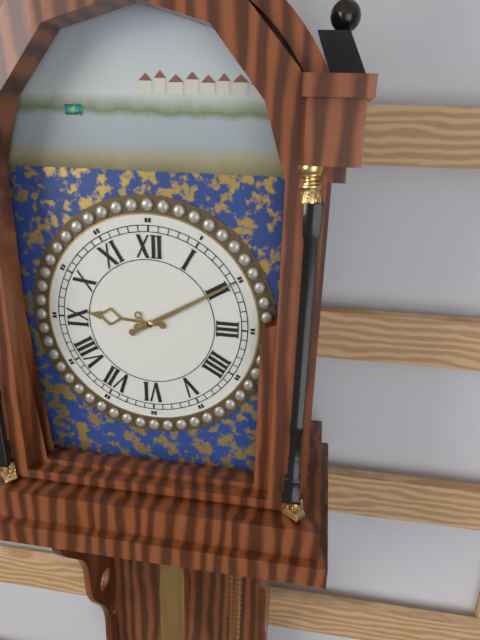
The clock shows 9.10
